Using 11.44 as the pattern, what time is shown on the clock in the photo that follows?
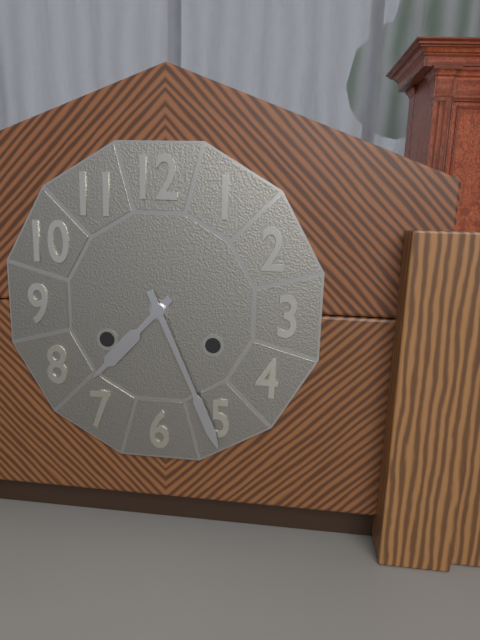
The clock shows 7.26
